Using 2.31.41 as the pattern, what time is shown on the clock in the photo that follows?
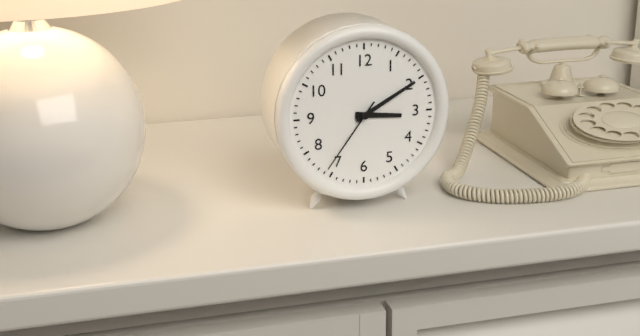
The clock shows 3.10.36
